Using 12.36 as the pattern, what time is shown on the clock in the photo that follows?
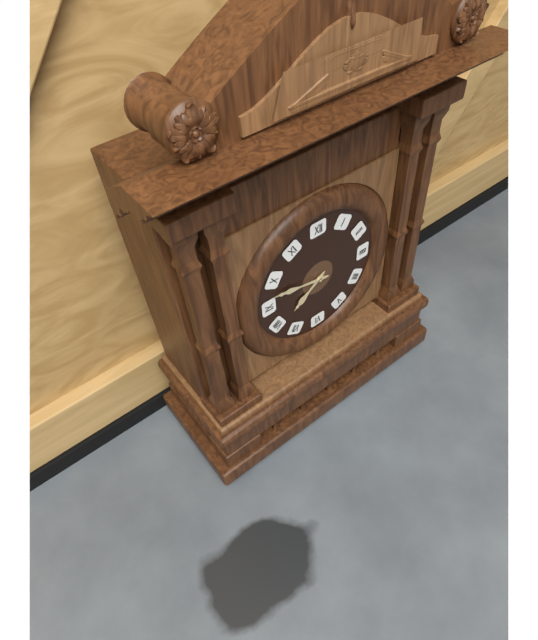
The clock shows 7.47
